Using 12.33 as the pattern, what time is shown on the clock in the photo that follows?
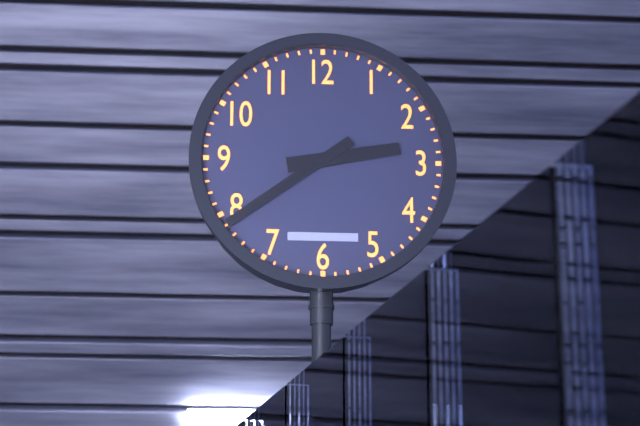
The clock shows 2.39
